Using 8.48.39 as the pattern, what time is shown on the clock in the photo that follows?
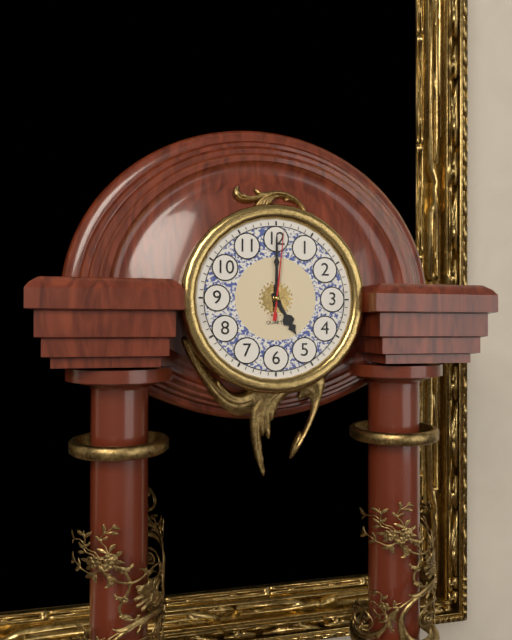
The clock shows 5.00.01
